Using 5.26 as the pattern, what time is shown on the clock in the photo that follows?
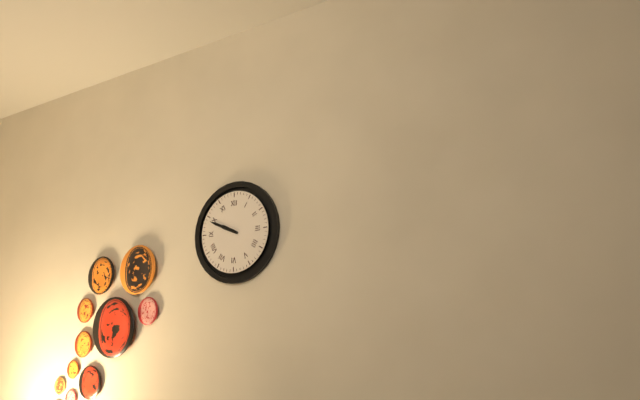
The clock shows 9.49
